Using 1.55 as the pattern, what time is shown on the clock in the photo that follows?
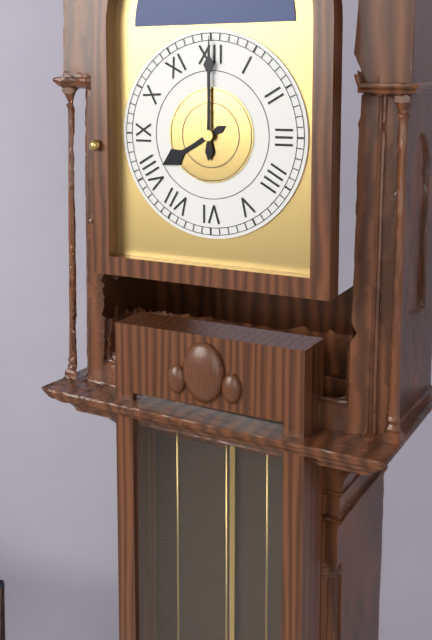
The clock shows 8.00
